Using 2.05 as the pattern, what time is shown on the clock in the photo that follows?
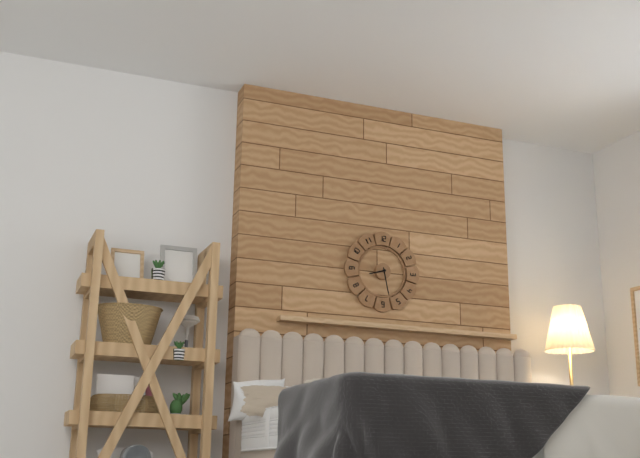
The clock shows 8.28
